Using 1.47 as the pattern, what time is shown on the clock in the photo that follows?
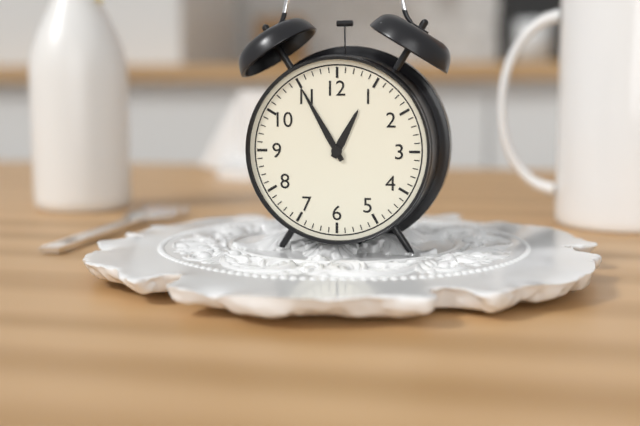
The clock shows 12.55
